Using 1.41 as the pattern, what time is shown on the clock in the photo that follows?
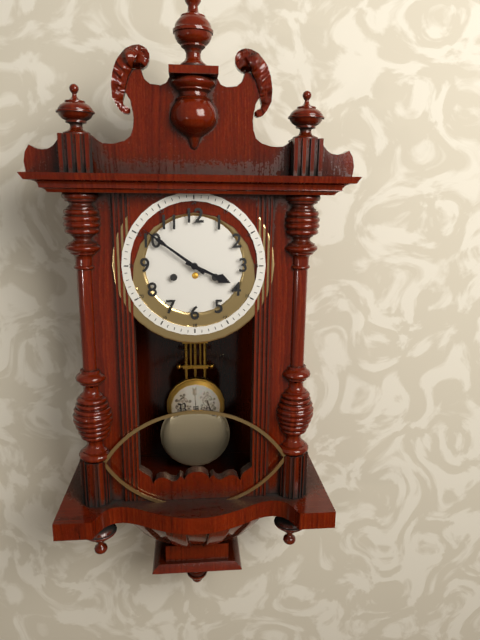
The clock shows 3.51
